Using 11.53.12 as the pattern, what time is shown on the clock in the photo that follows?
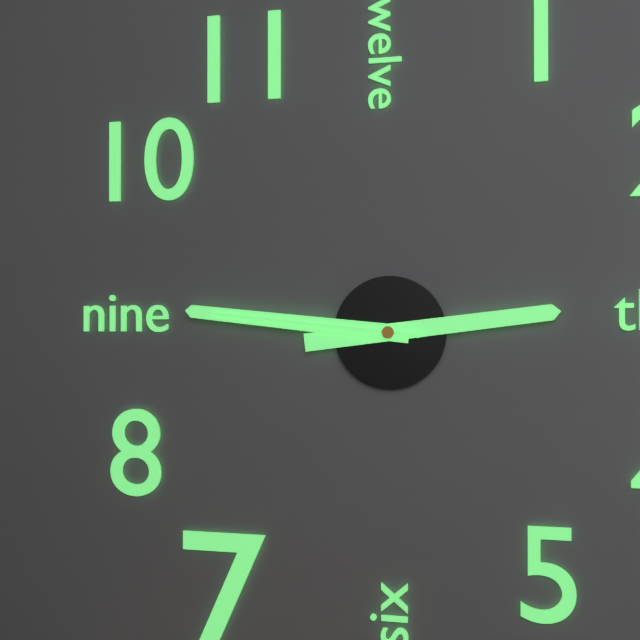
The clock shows 2.46.46
